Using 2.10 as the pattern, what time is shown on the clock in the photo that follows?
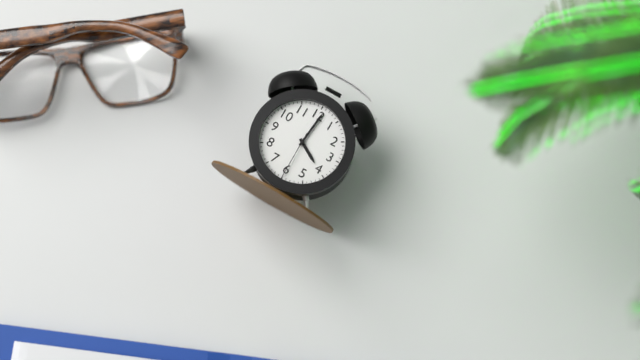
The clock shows 4.01
